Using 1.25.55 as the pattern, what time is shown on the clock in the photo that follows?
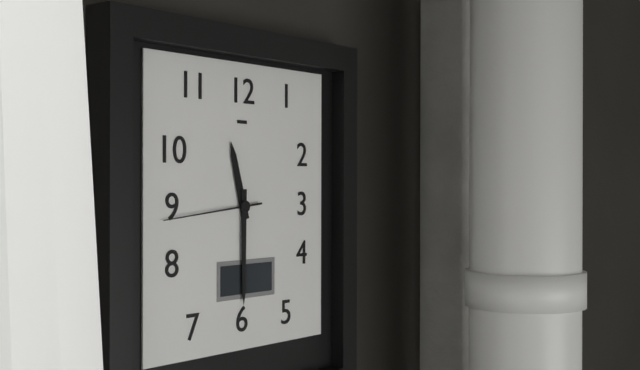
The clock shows 11.30.44
